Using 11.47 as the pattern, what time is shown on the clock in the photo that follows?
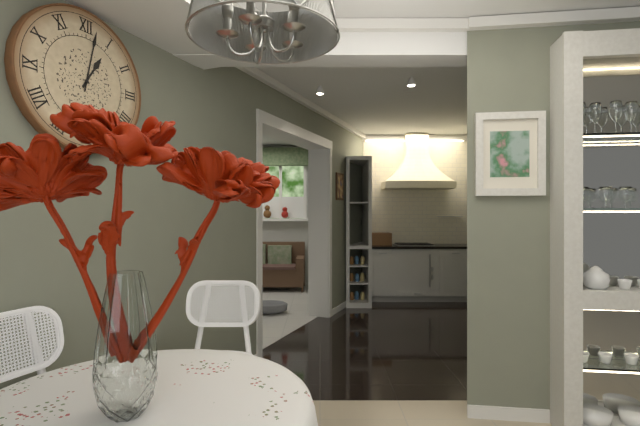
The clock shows 1.02
